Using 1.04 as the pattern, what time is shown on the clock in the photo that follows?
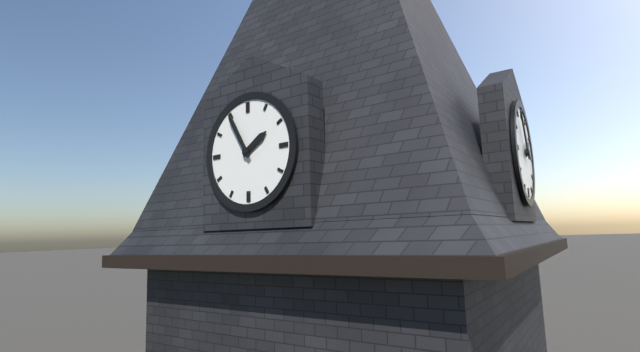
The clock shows 1.55
